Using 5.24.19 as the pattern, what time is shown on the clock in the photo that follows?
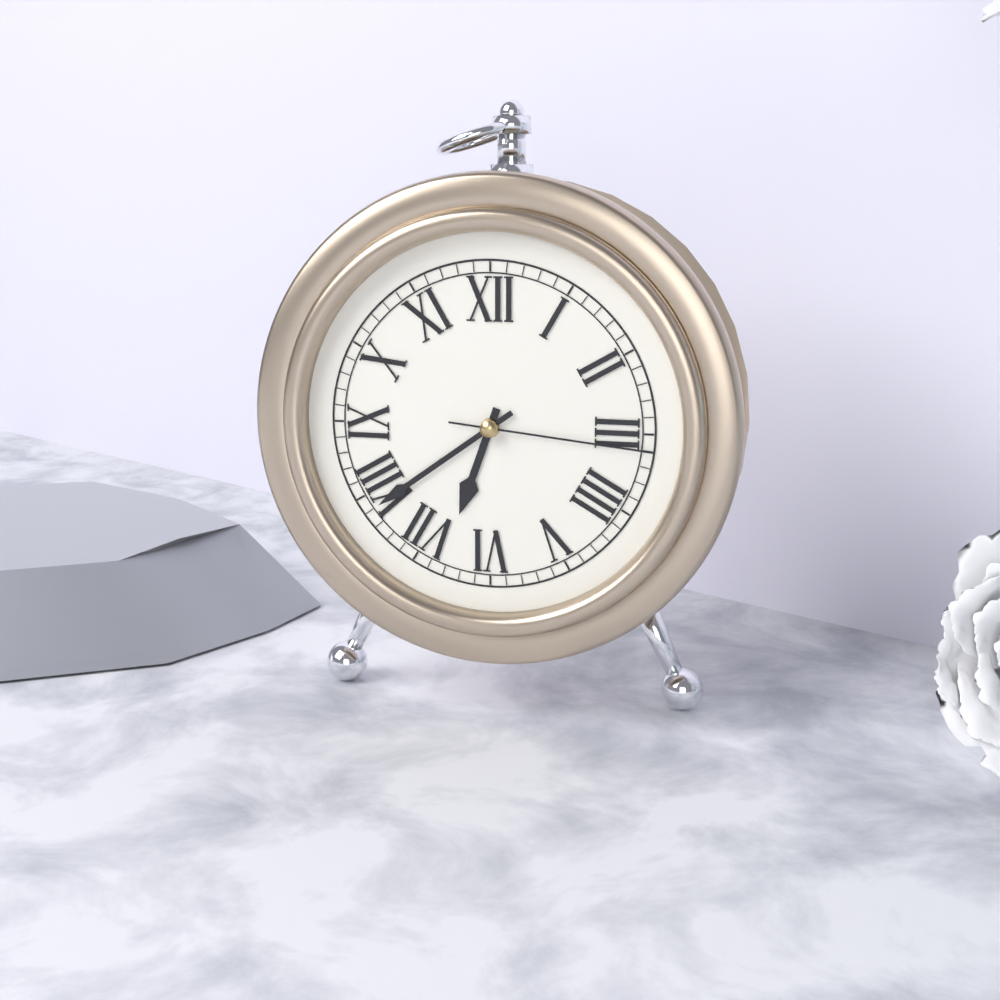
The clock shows 6.39.16
